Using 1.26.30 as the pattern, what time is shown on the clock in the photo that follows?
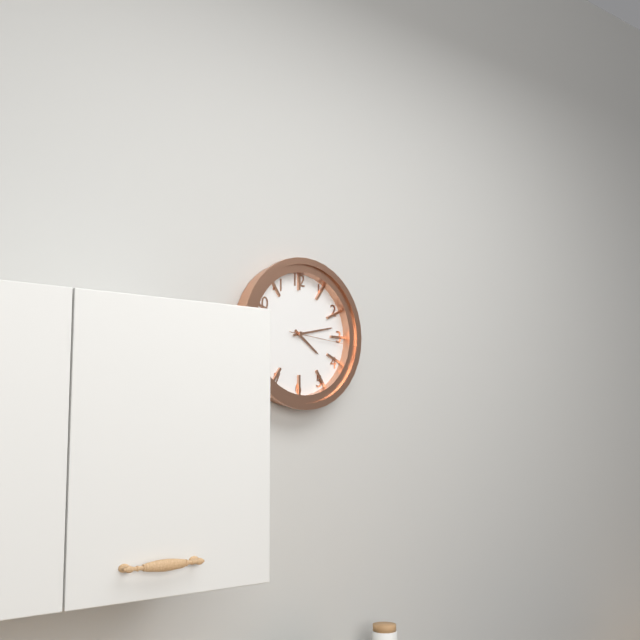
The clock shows 4.13.16
